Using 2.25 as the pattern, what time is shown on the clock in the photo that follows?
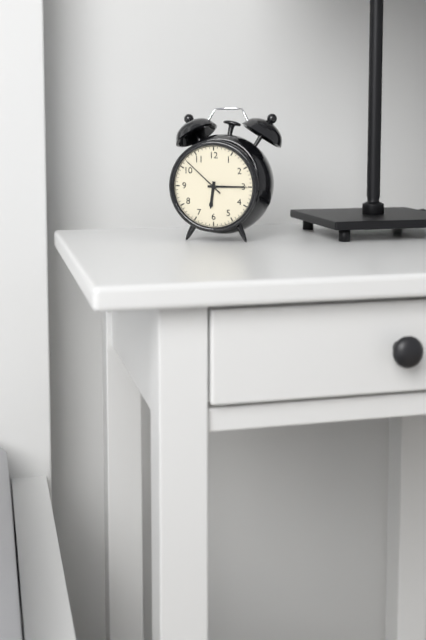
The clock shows 6.15
